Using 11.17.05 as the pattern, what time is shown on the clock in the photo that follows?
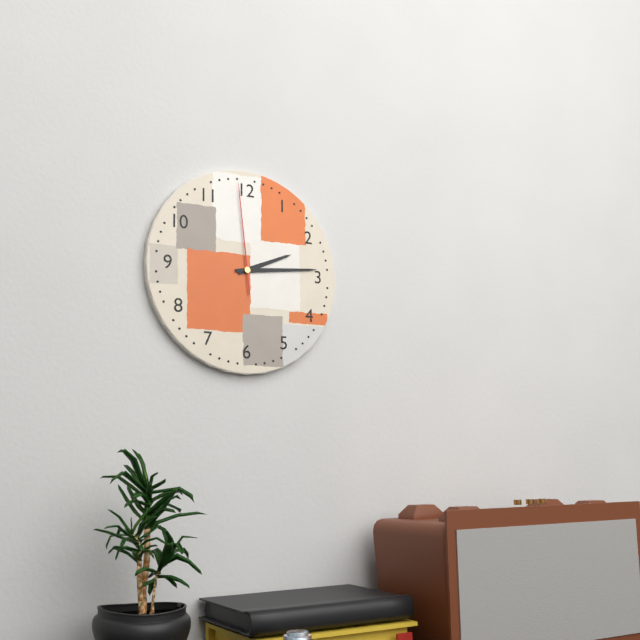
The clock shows 2.14.59
